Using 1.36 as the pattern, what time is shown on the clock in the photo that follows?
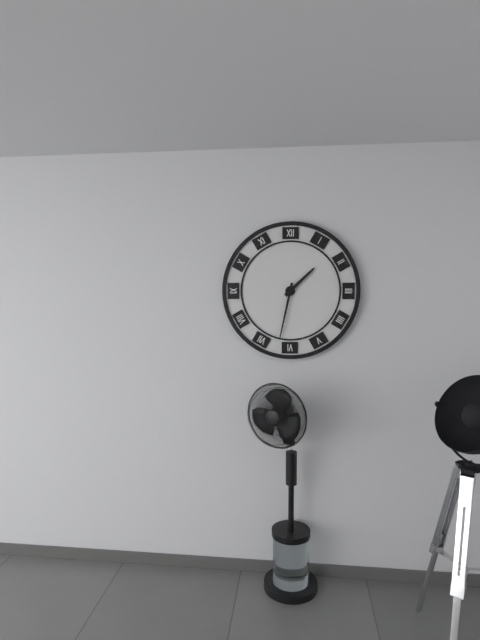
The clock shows 1.32
